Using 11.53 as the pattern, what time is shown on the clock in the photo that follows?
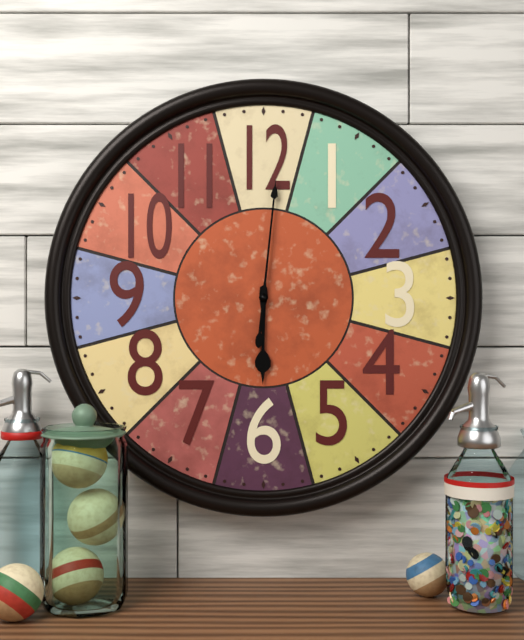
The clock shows 6.01
